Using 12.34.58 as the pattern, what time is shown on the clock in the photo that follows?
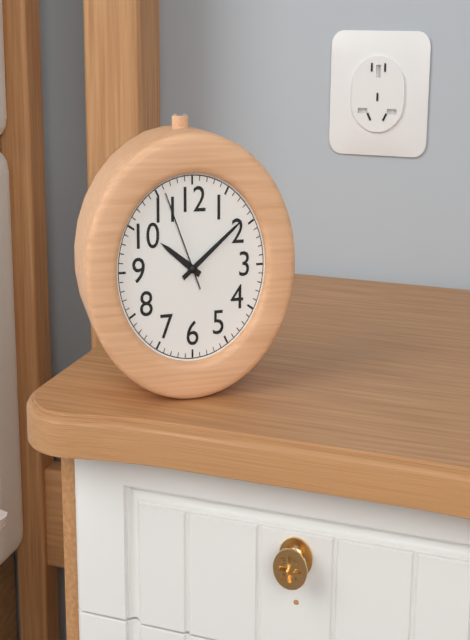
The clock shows 10.09.56
